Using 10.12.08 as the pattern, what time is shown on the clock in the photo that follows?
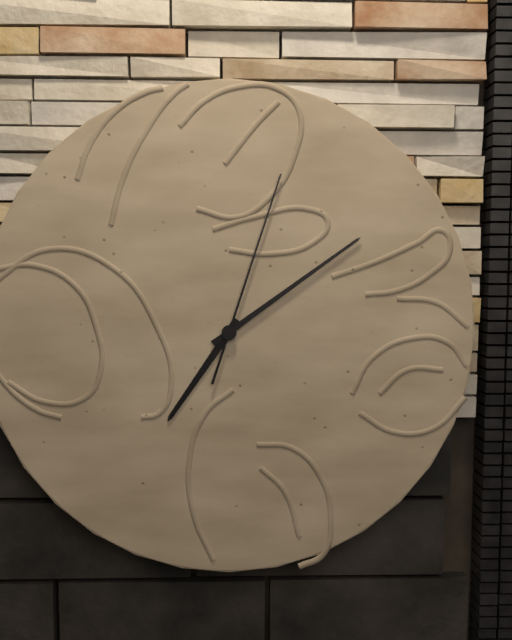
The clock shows 7.09.03
